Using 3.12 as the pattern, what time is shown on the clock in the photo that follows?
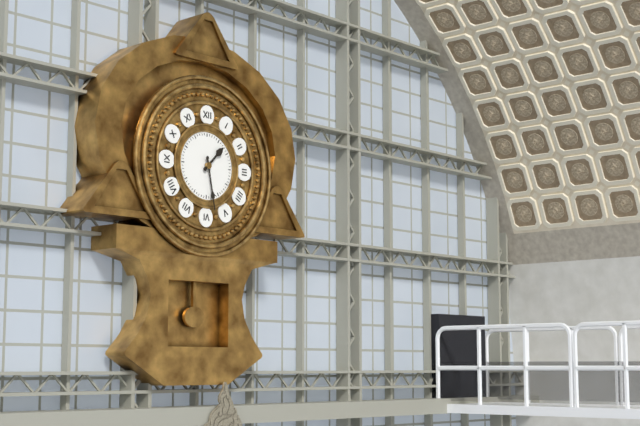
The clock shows 1.28
